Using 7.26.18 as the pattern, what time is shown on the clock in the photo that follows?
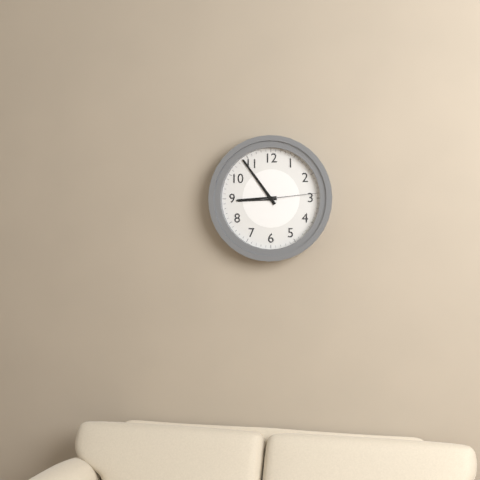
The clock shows 8.54.14
